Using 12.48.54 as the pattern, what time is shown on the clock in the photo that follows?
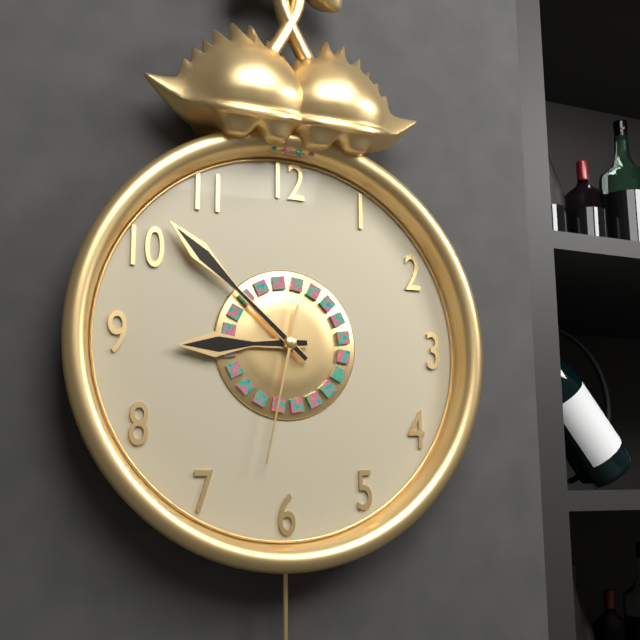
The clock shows 8.52.32
